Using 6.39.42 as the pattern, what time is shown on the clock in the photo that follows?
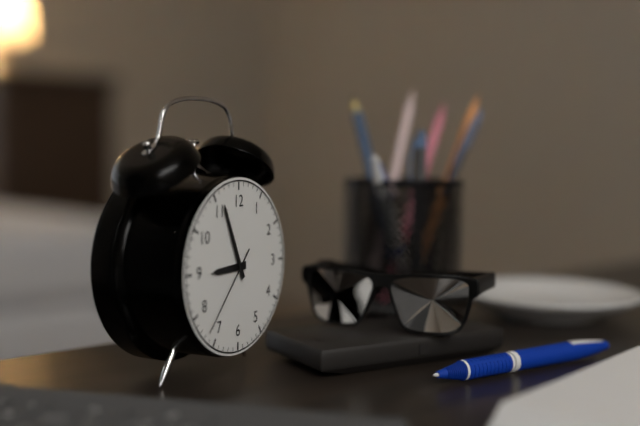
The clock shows 8.56.37
